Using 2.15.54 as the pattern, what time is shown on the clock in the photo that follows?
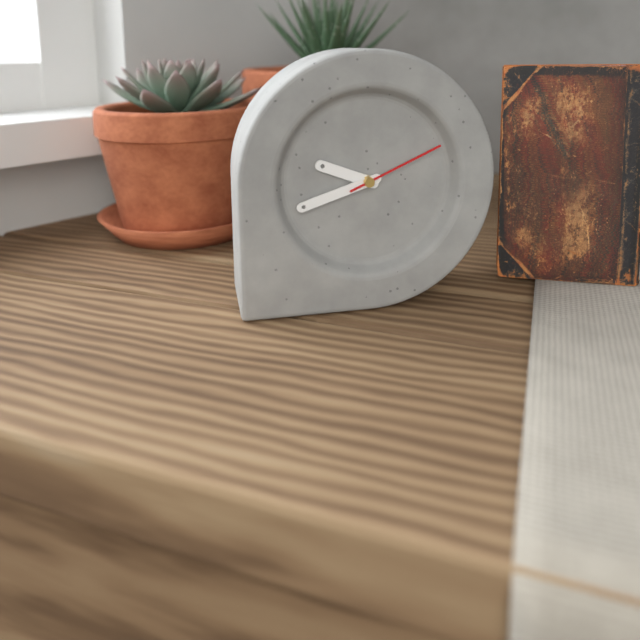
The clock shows 9.42.11
